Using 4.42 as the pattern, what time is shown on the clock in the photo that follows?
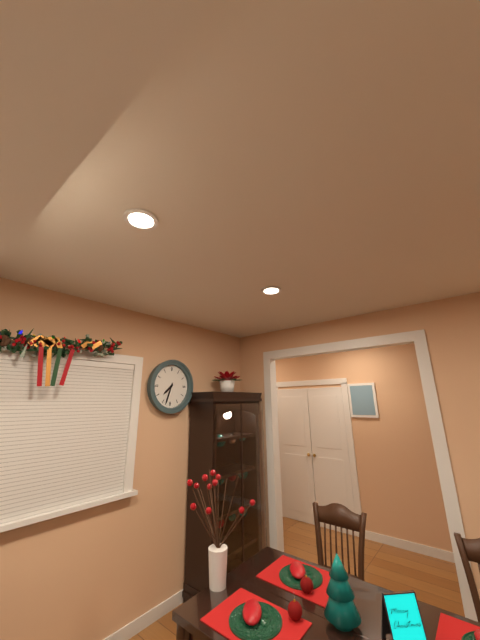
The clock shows 7.33
